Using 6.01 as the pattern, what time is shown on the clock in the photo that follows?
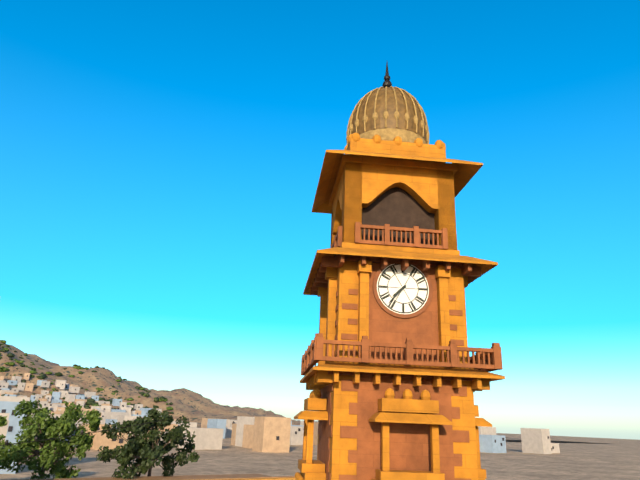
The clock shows 7.37
